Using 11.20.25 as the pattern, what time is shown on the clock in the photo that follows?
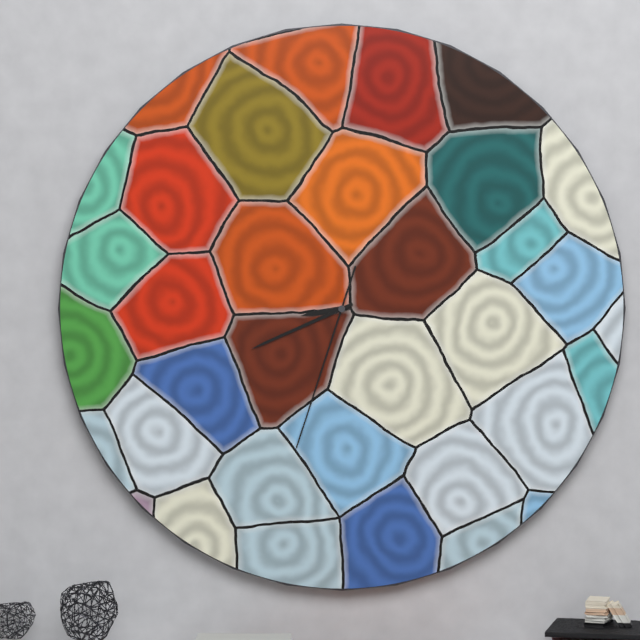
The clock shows 8.41.33
